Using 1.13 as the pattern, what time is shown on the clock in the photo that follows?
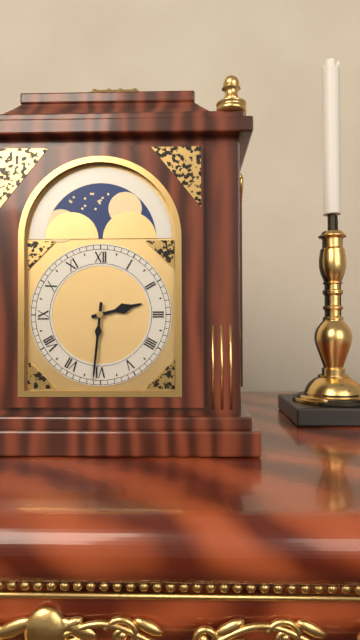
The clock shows 2.31
